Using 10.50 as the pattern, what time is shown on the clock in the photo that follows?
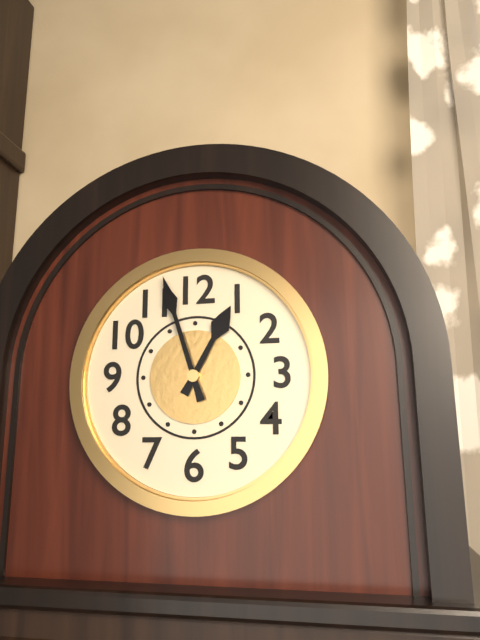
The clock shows 12.57
